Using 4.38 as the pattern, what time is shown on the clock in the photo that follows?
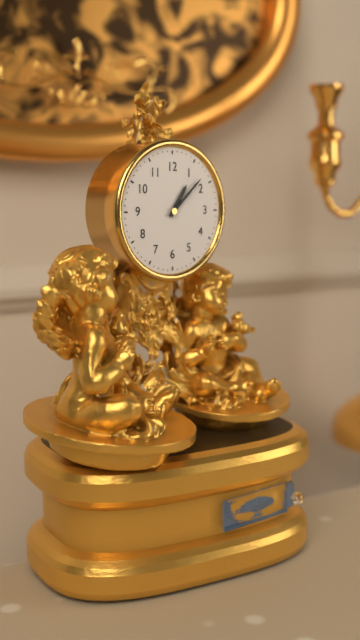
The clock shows 1.08
